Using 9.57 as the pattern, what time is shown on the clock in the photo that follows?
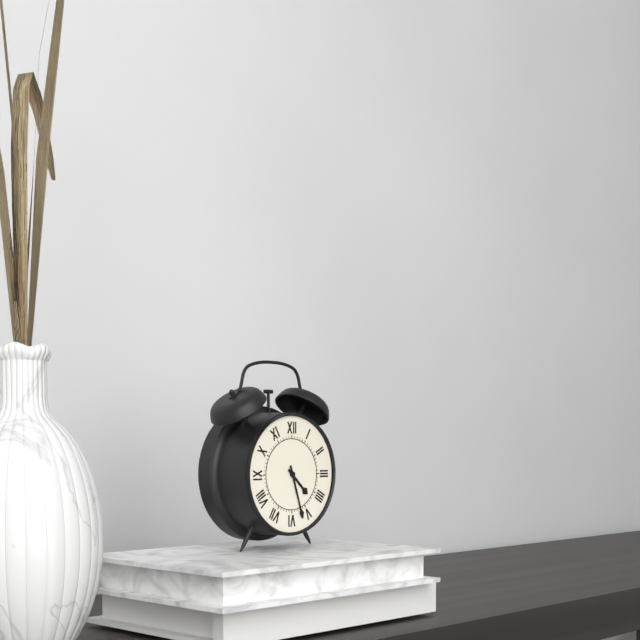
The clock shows 4.27
